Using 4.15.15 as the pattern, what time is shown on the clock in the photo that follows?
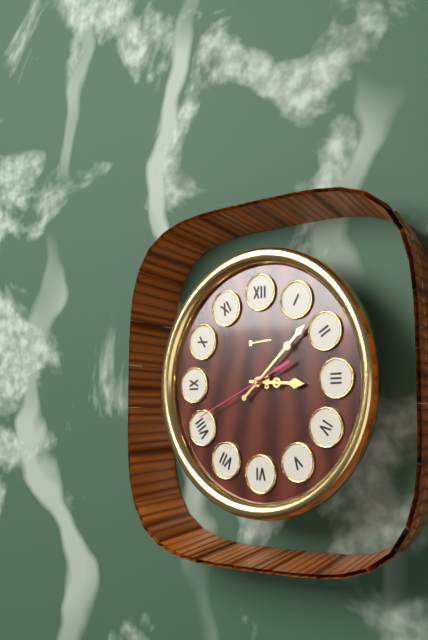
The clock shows 3.08.41
